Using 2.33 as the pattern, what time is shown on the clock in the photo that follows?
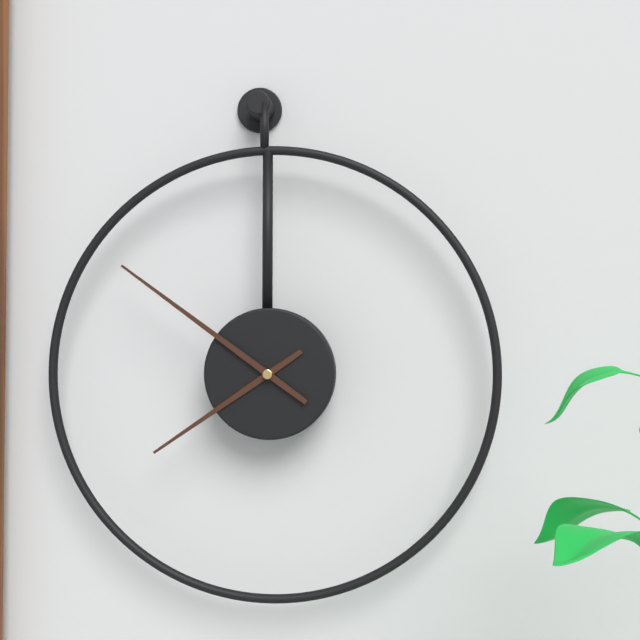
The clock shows 7.51
